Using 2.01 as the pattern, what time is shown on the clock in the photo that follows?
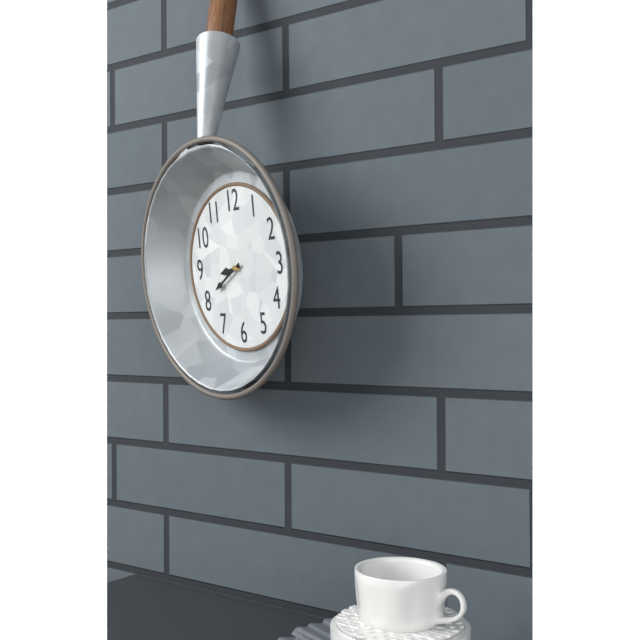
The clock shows 8.40
